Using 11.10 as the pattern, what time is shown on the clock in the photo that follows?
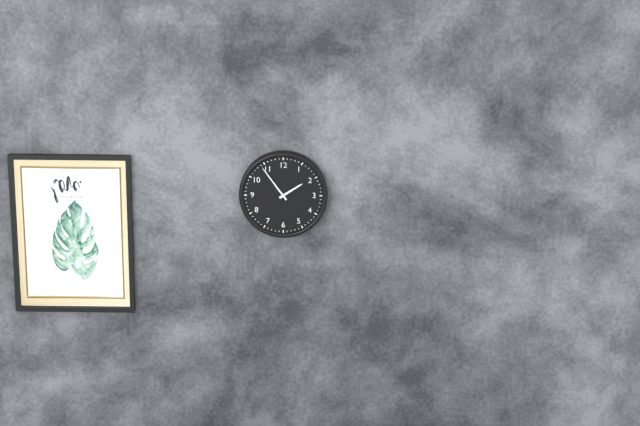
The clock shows 1.54
